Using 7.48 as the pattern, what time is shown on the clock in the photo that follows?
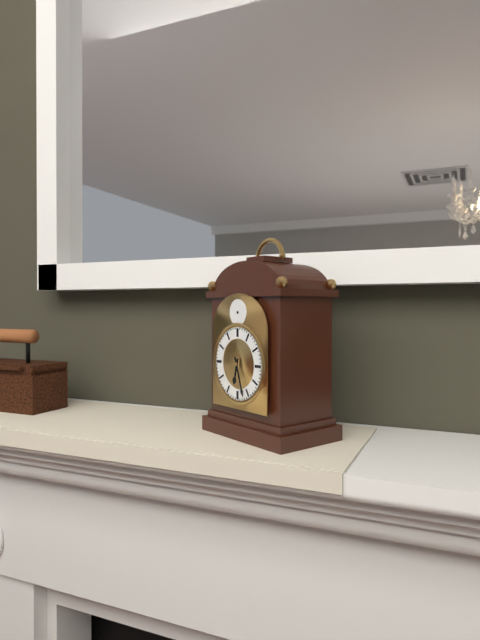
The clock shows 6.27
